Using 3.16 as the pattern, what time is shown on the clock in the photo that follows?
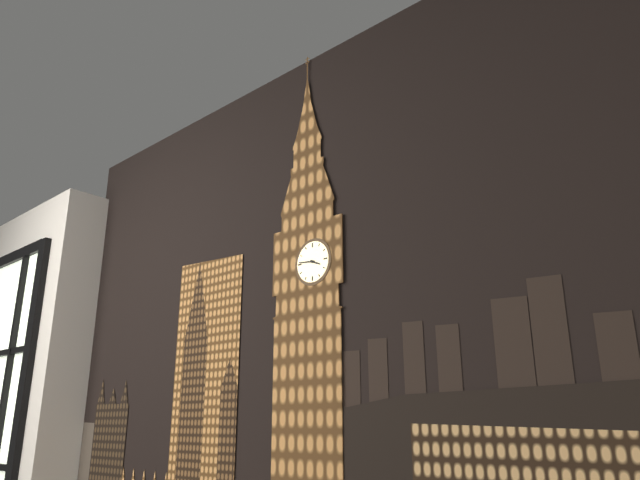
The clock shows 3.46
